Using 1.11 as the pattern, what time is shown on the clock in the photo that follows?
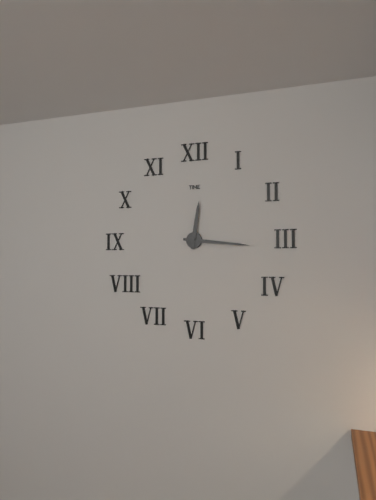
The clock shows 12.16
